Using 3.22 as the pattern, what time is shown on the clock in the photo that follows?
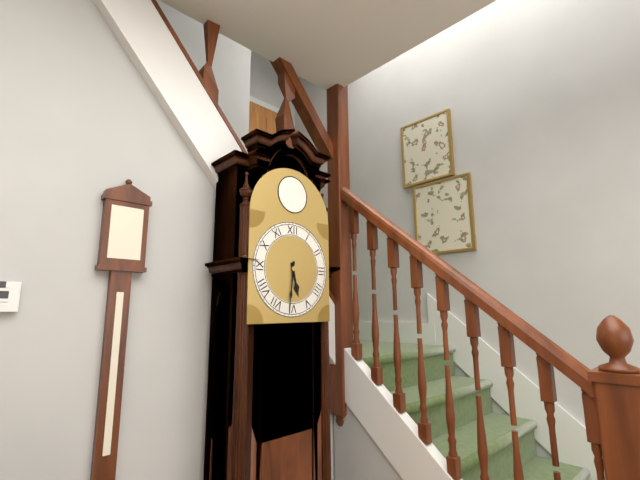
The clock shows 5.31
